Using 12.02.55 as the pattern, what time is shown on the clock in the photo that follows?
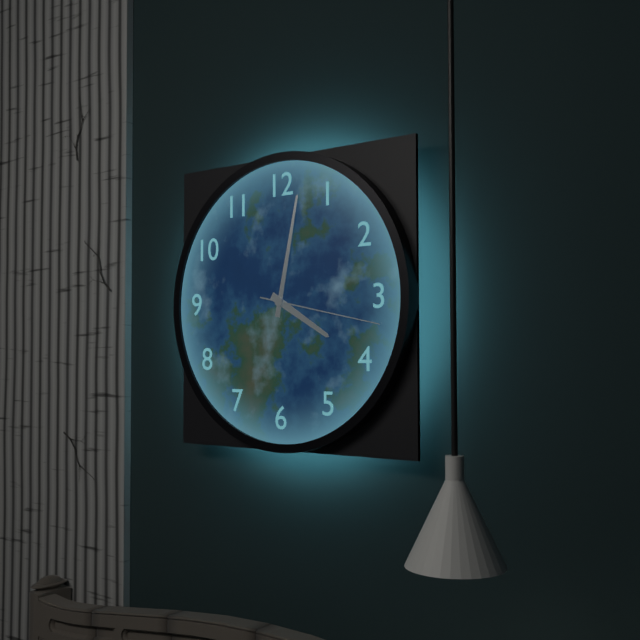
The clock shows 4.02.17
